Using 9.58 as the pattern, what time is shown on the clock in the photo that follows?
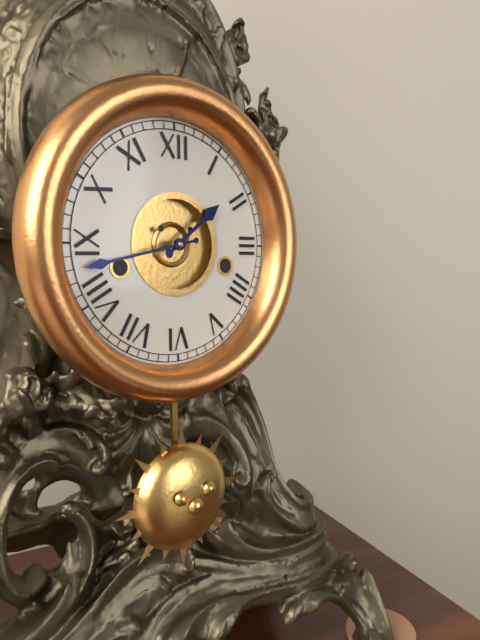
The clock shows 1.43
